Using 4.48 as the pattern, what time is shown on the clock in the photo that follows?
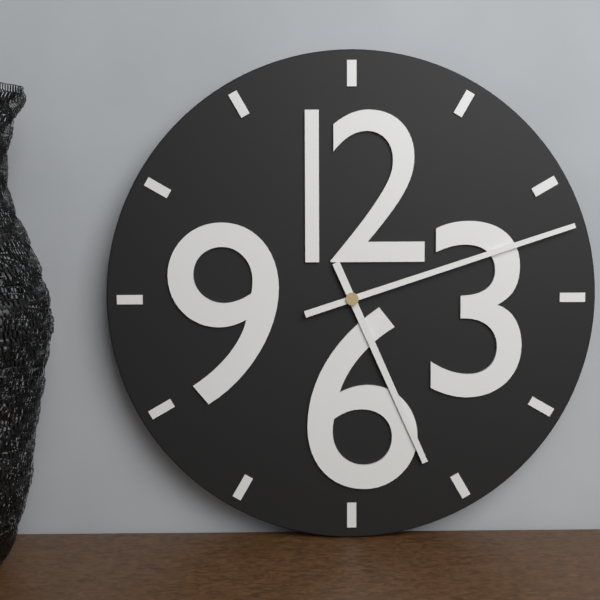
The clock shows 5.12
